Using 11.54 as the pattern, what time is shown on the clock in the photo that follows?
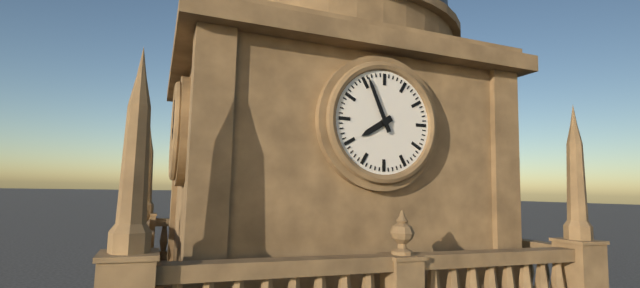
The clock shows 7.56
